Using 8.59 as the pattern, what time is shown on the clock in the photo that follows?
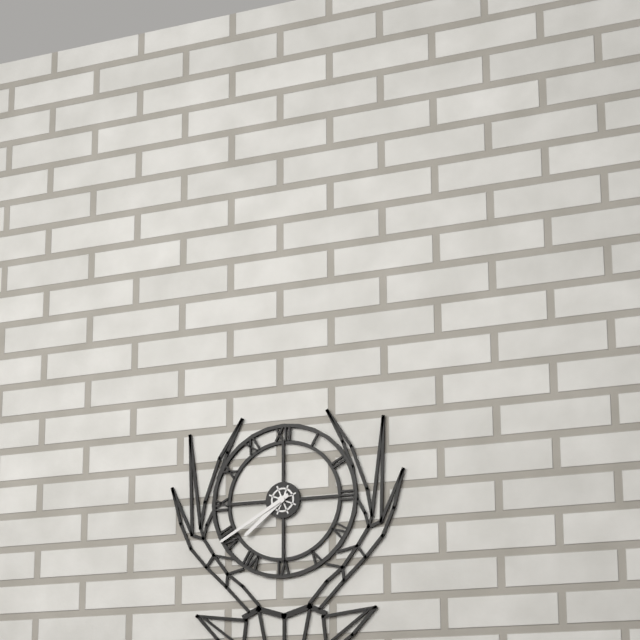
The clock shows 7.40
